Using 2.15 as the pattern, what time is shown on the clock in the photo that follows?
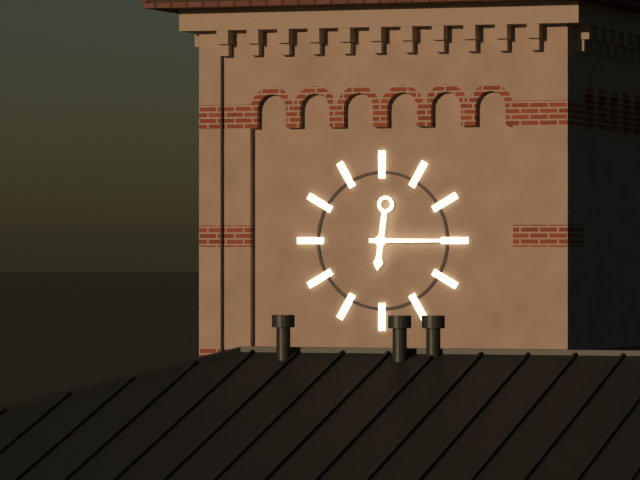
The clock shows 6.15
